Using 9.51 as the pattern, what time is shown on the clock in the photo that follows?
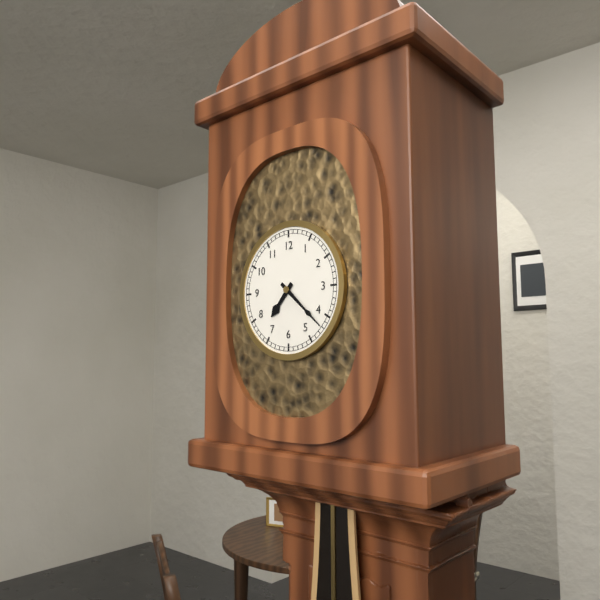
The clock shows 7.22
